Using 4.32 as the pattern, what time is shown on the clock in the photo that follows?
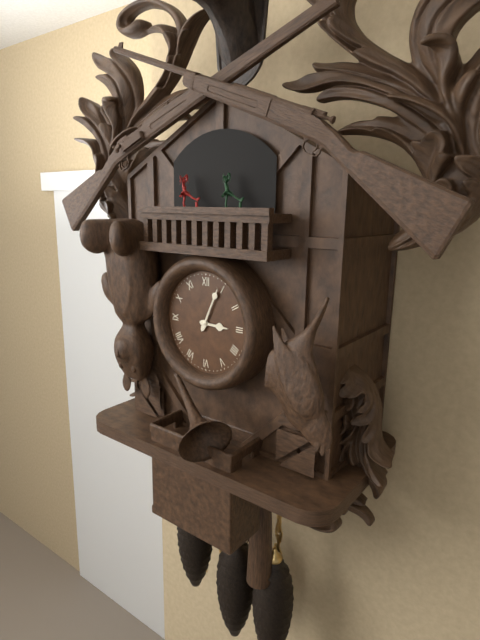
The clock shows 3.04
